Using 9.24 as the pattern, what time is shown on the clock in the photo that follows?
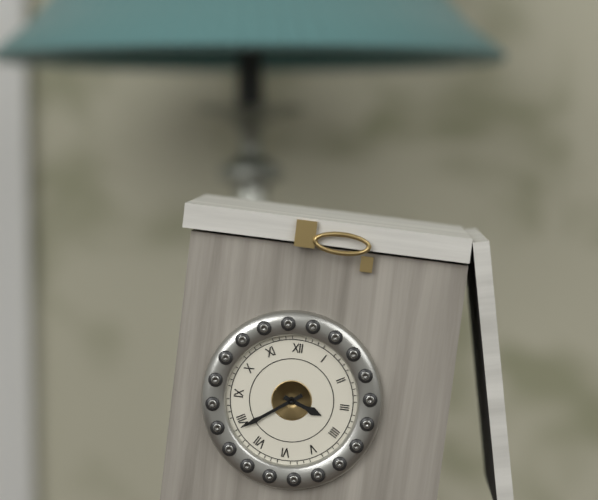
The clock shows 3.39
